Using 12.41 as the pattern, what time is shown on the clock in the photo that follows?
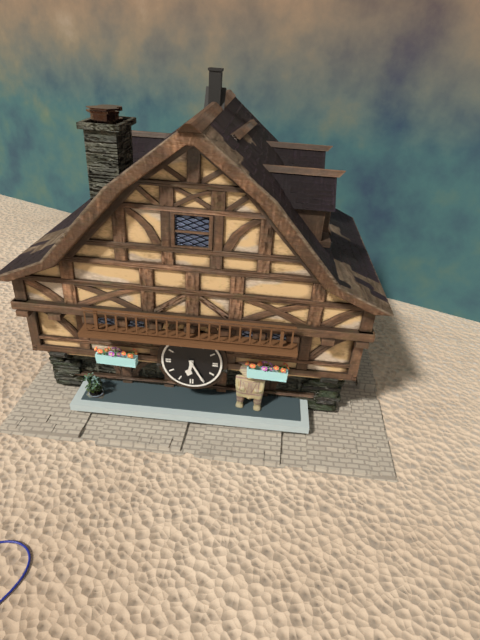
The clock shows 6.25
